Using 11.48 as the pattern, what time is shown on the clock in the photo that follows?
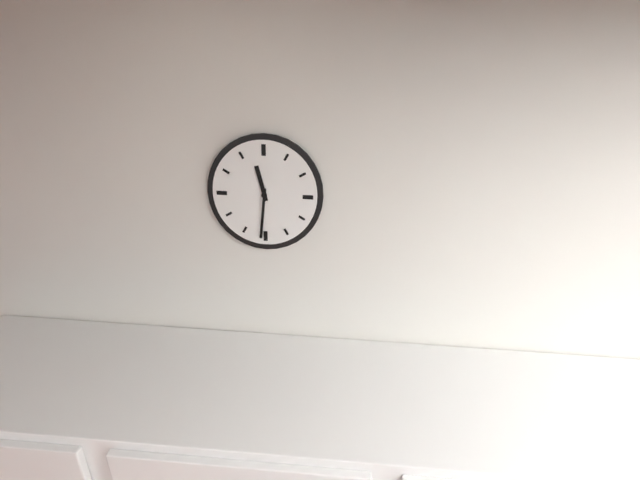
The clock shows 11.31
